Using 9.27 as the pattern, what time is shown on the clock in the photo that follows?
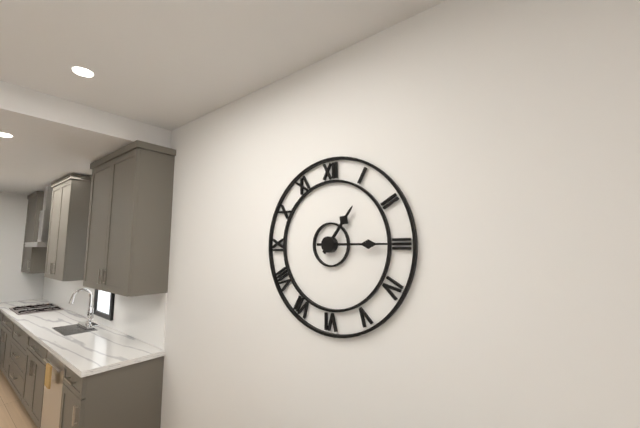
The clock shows 1.15
